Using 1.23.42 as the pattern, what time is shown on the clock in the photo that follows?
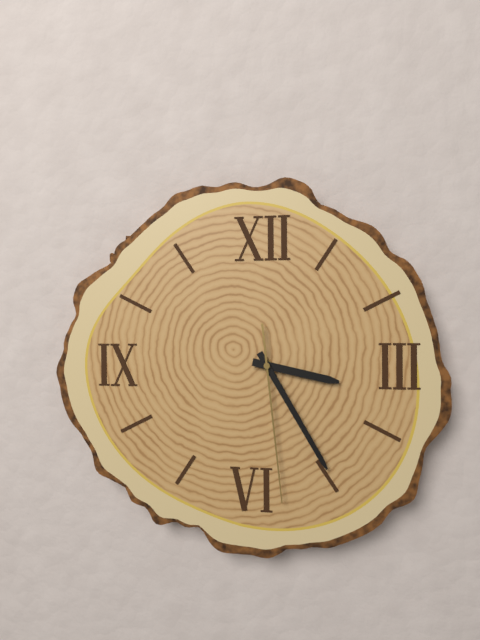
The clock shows 3.25.29
